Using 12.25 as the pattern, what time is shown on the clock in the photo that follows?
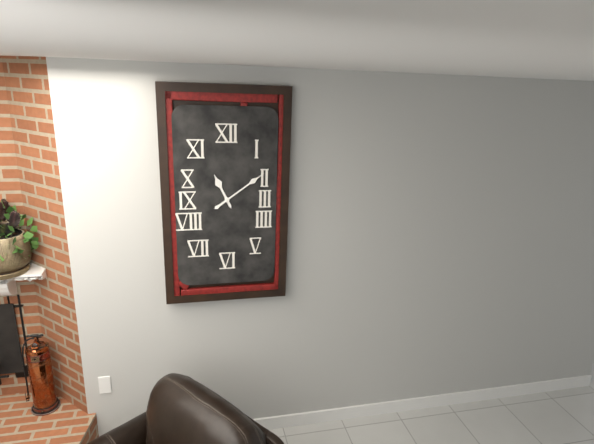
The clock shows 11.09
